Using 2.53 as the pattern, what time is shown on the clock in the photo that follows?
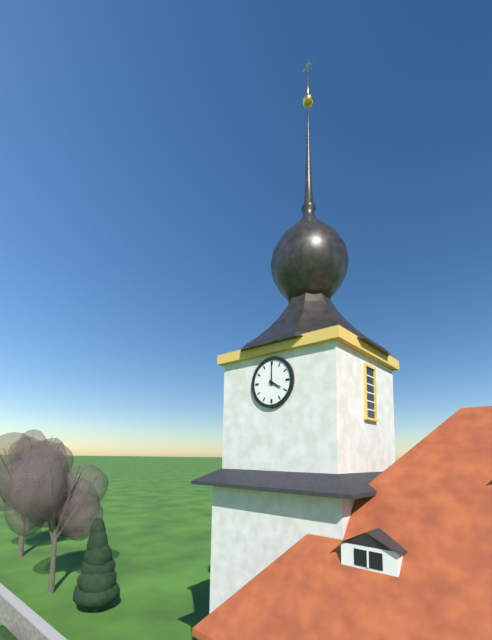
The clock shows 4.00
